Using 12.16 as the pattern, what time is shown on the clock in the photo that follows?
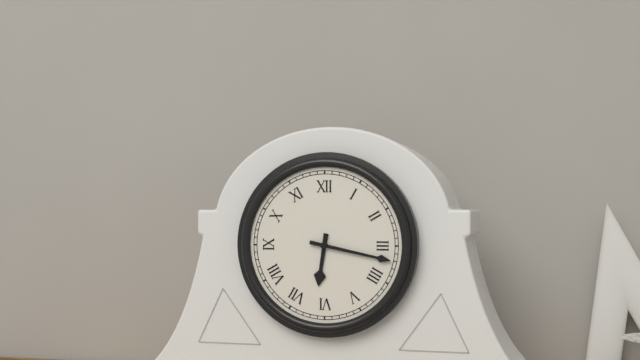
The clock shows 6.17
